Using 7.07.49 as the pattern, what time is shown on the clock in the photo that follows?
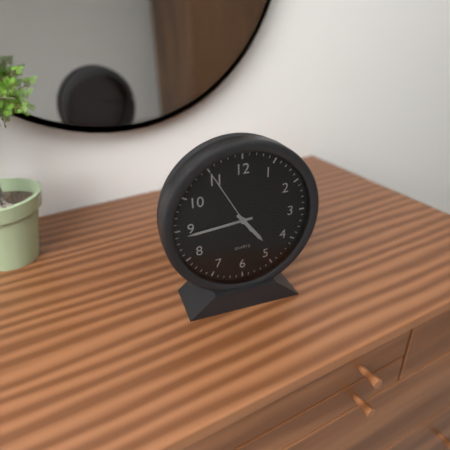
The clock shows 4.44.55
